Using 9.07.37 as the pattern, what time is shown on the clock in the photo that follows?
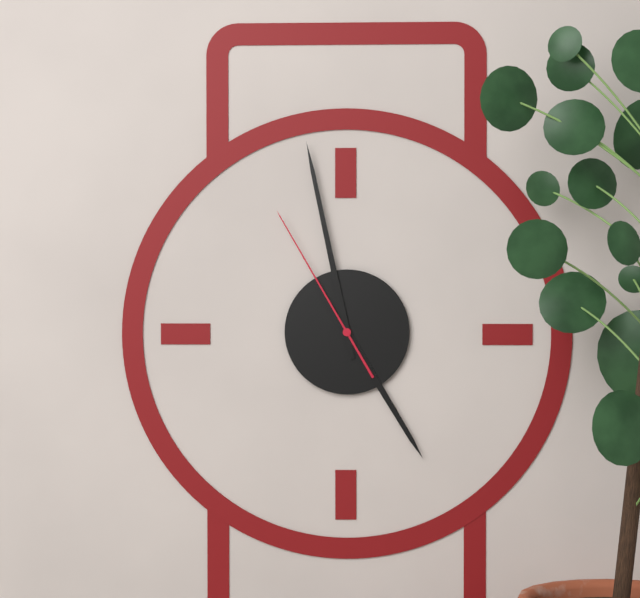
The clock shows 4.58.55
